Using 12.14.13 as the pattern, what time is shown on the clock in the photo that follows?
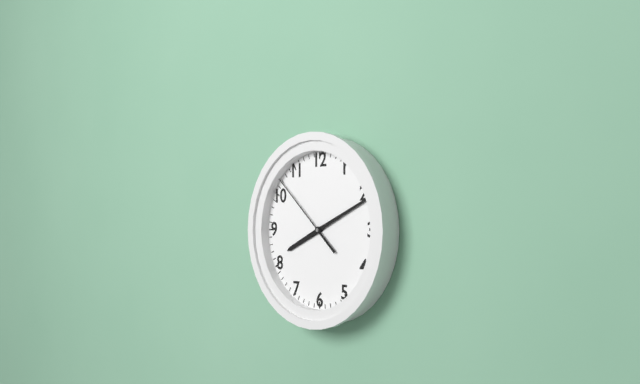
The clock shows 8.11.52
